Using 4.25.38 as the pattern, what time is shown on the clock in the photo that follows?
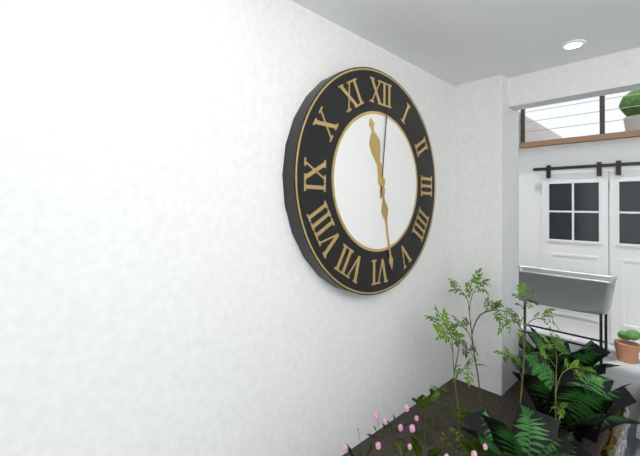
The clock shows 11.28.01
